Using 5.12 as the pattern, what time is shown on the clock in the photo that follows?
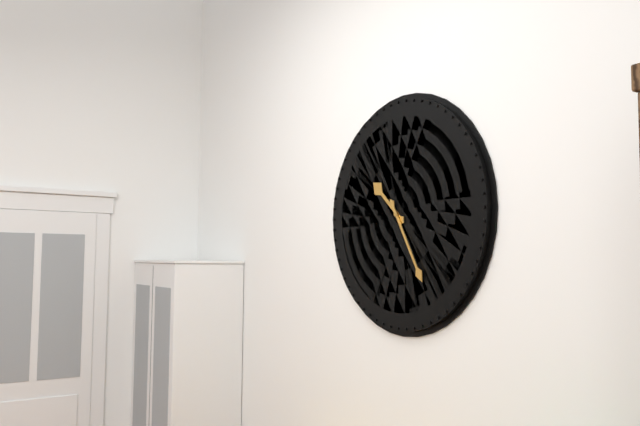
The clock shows 10.25
